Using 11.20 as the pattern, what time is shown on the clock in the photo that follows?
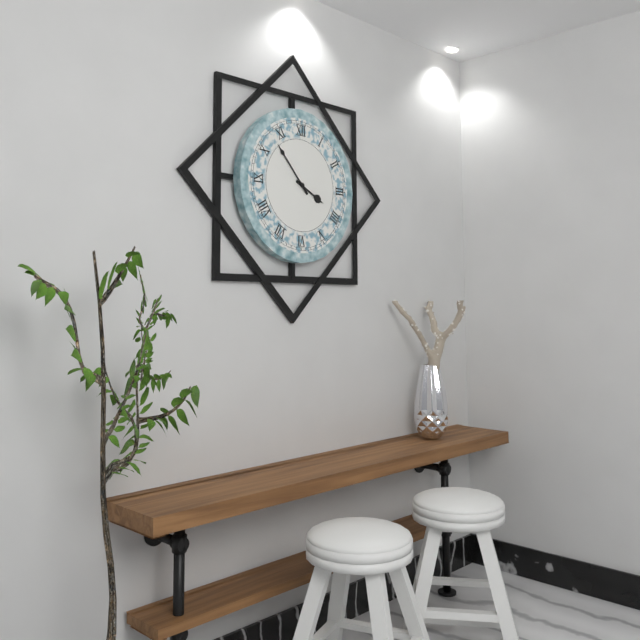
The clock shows 3.53
